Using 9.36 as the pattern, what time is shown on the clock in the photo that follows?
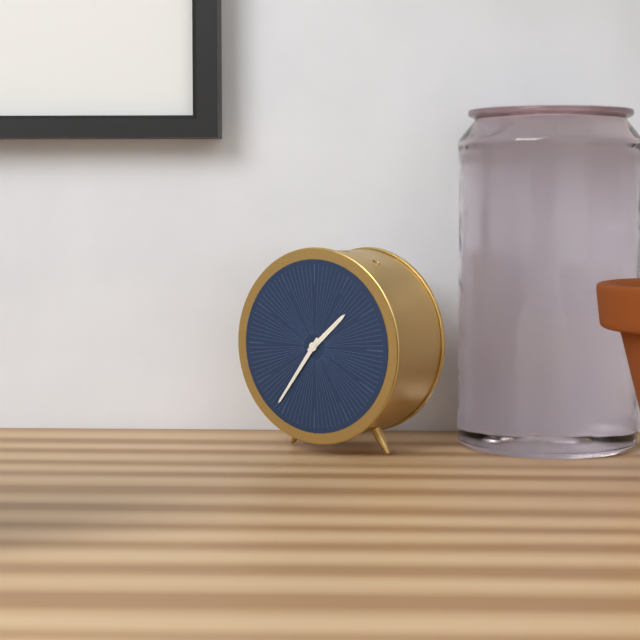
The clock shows 1.36
